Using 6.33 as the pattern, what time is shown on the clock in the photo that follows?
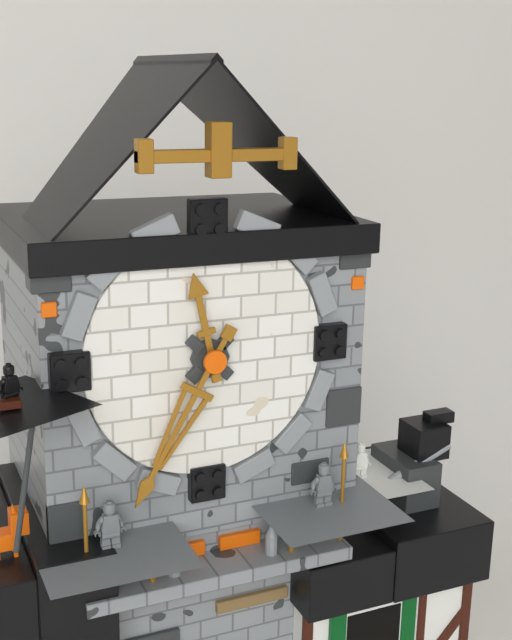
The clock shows 11.35
